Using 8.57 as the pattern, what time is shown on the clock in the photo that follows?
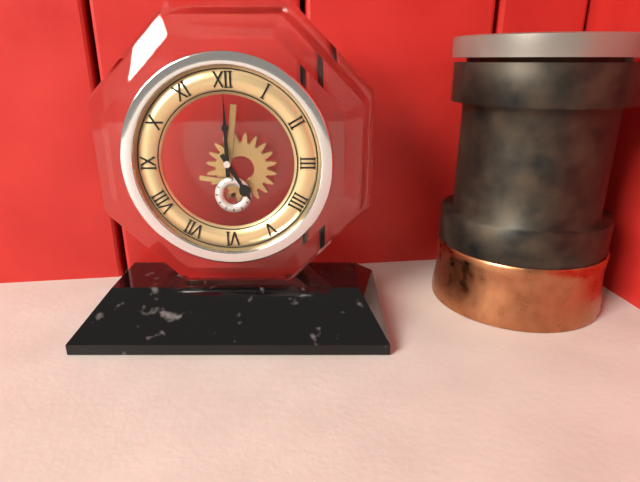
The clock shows 5.00
